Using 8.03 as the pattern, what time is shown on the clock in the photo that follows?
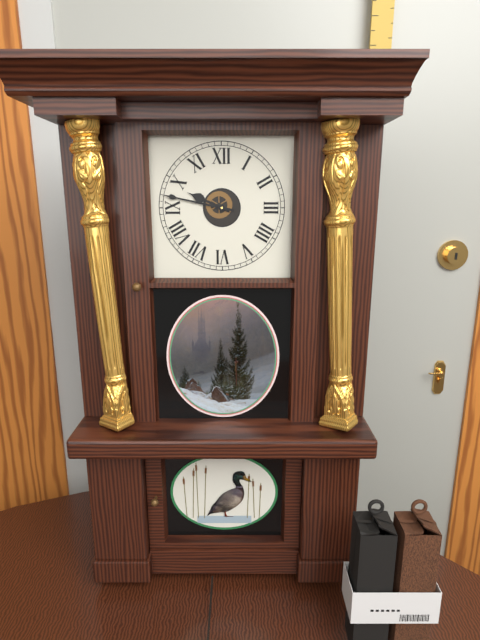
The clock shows 9.47
